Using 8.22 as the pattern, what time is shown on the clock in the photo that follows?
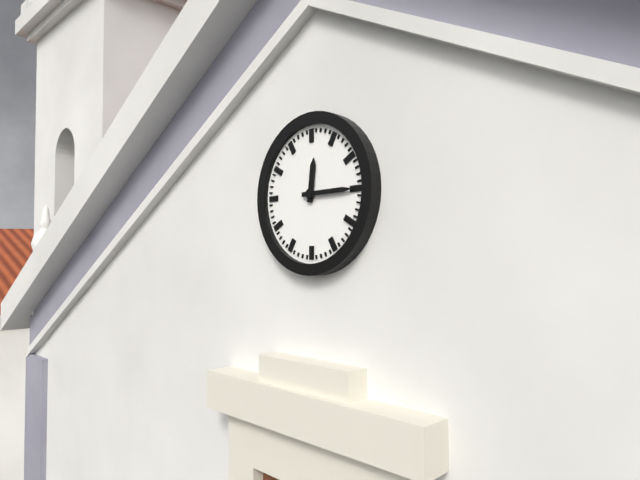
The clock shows 12.15
